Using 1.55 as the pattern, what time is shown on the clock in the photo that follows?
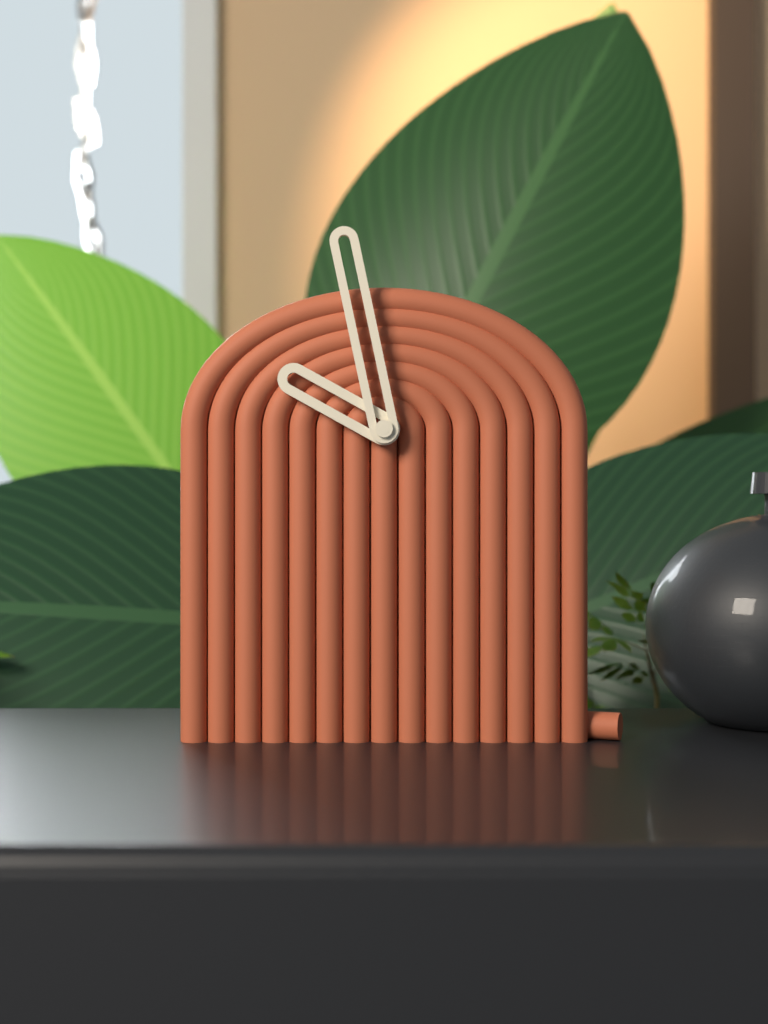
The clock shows 9.58
